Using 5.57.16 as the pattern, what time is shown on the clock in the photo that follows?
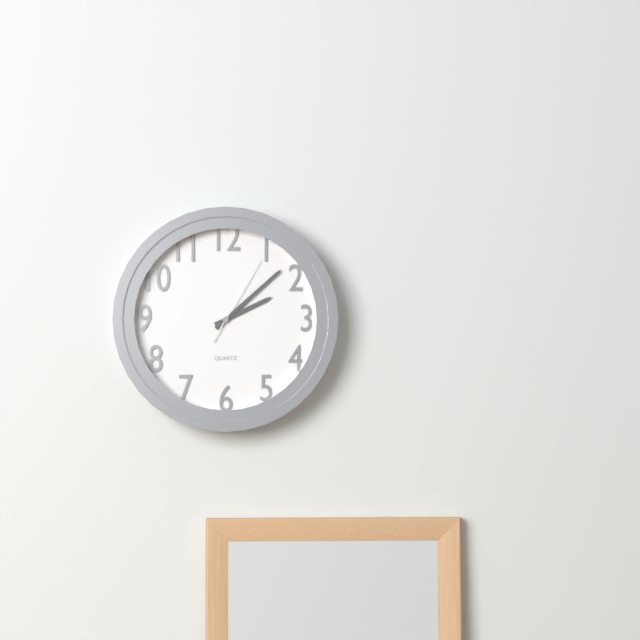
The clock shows 2.08.05
